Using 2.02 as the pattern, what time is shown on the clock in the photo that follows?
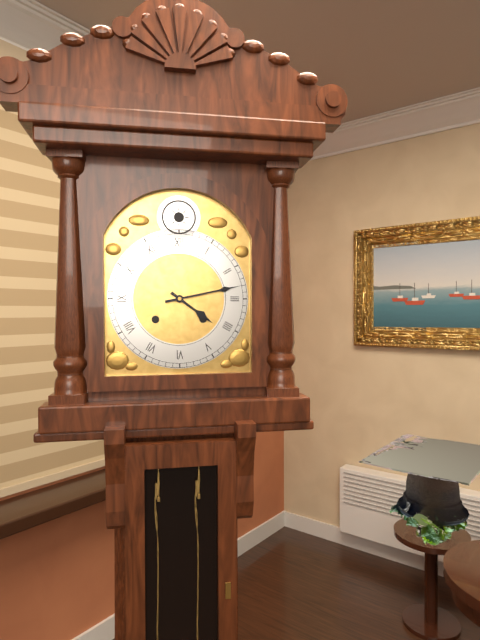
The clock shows 4.13
